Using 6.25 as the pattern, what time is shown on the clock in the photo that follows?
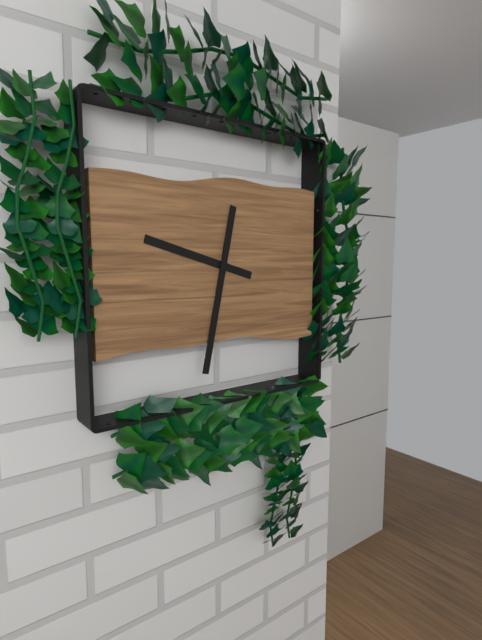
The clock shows 9.32
